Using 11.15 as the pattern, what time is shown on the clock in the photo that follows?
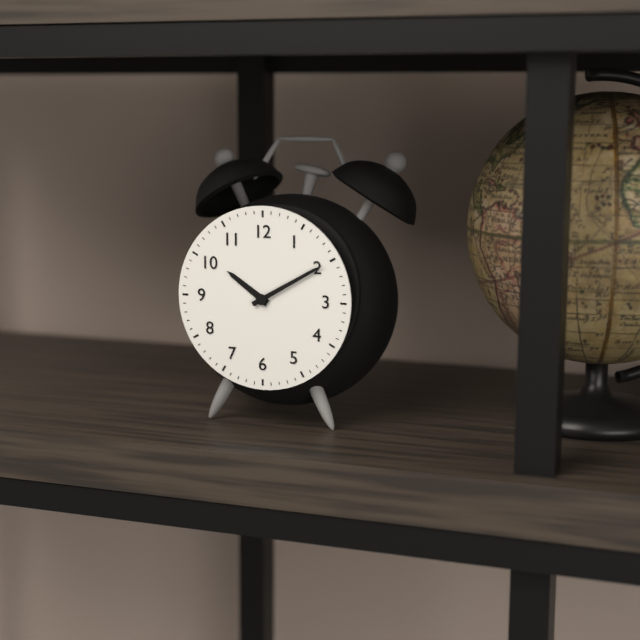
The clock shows 10.10
